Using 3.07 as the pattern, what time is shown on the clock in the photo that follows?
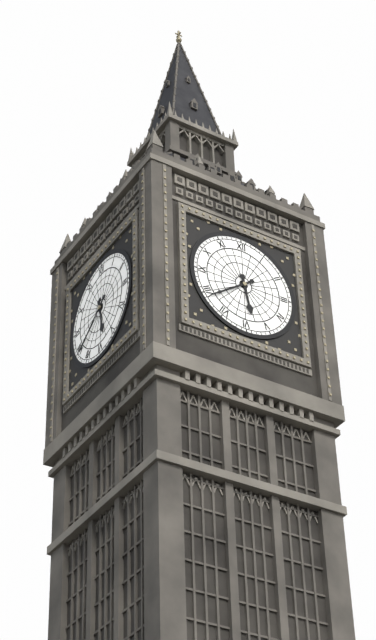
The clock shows 5.39
